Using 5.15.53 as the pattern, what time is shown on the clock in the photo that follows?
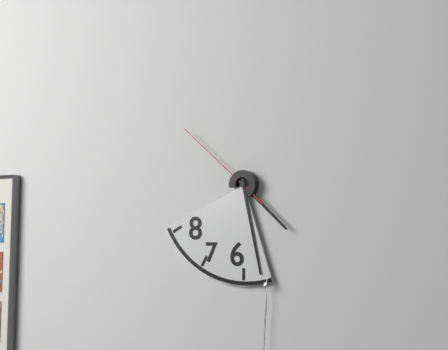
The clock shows 4.28.52
